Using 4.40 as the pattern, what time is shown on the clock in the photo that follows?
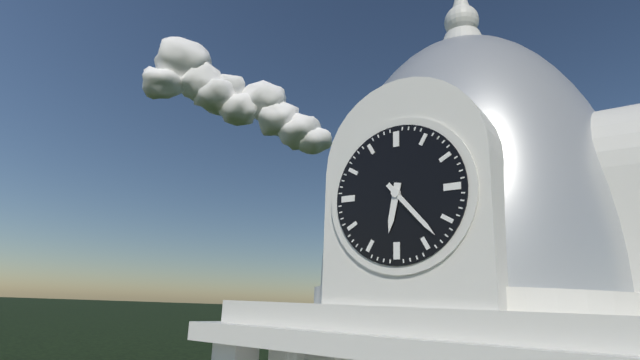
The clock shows 6.23
